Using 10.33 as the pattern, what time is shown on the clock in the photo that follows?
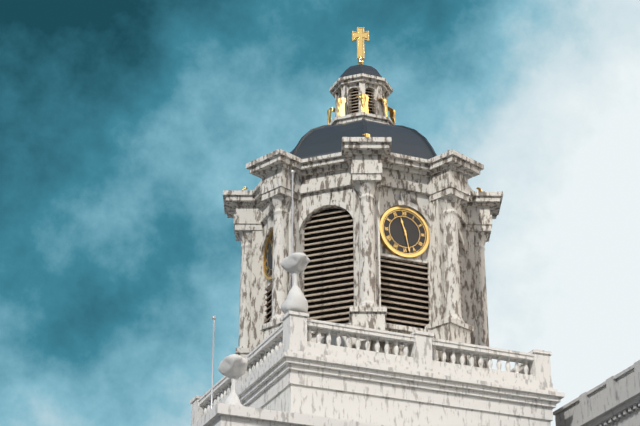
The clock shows 11.28
